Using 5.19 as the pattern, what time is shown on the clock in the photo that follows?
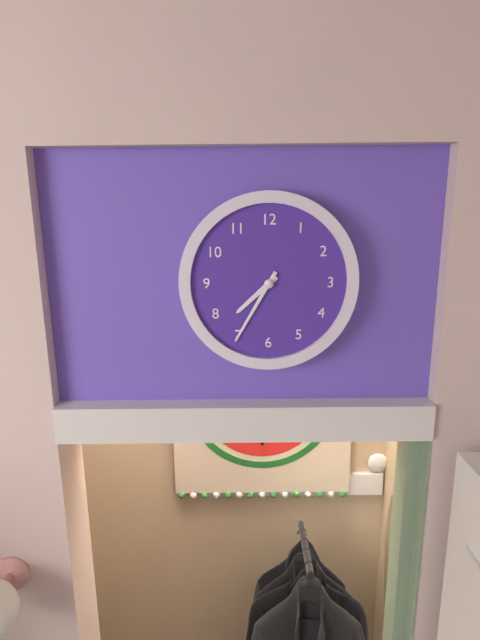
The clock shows 7.35
